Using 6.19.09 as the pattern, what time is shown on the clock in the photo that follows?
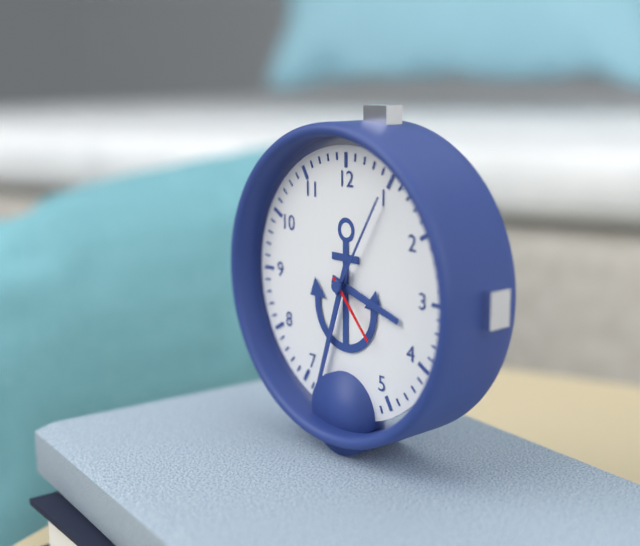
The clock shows 3.33.23
